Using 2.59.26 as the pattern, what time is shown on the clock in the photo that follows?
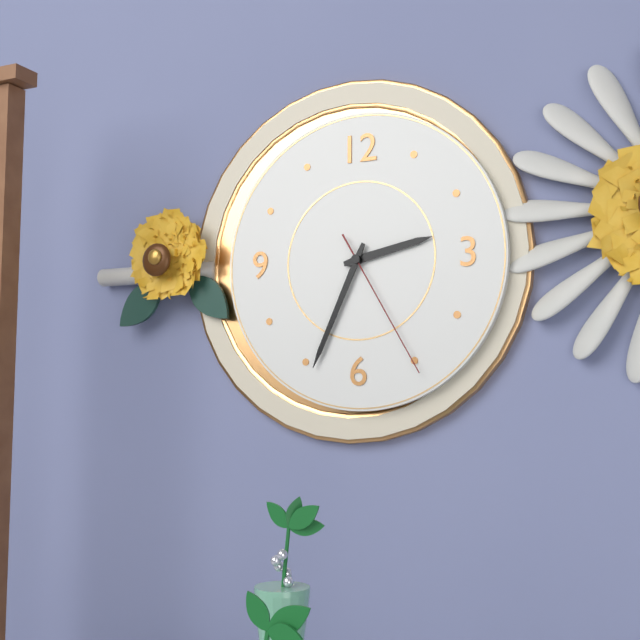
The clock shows 2.34.25
